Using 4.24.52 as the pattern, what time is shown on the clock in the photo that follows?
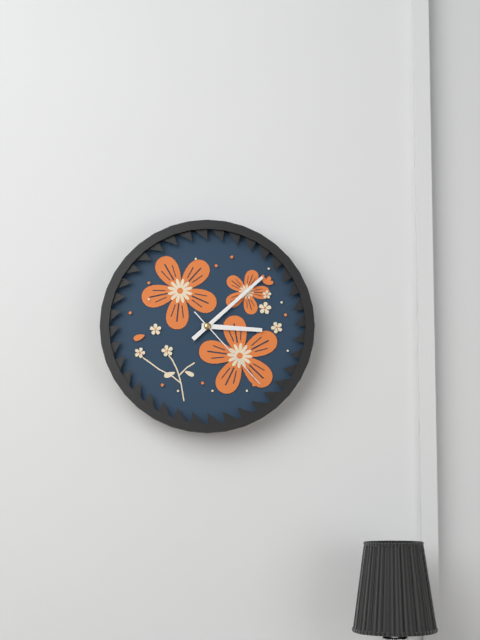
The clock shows 3.08.23
